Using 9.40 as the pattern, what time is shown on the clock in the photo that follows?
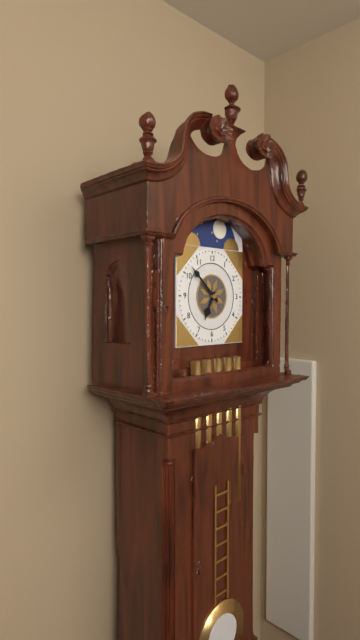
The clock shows 6.52
